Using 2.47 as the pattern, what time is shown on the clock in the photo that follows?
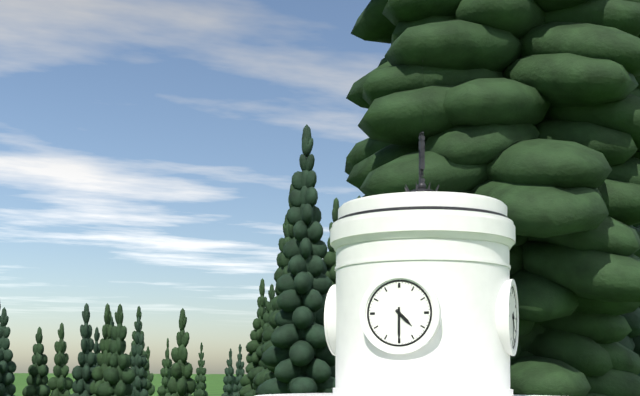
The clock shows 4.30
